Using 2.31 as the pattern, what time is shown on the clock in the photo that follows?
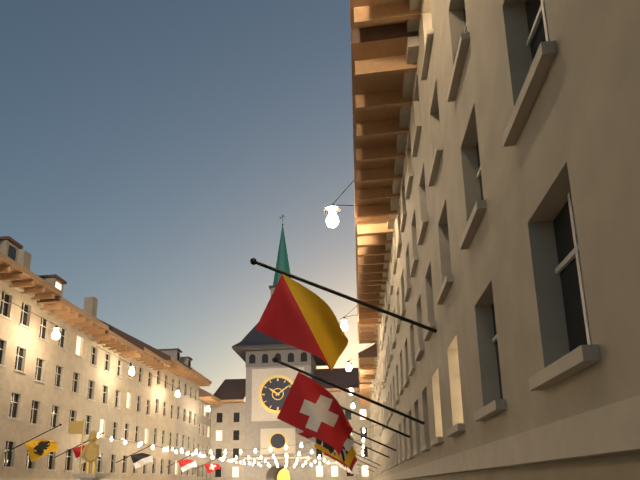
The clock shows 10.09
